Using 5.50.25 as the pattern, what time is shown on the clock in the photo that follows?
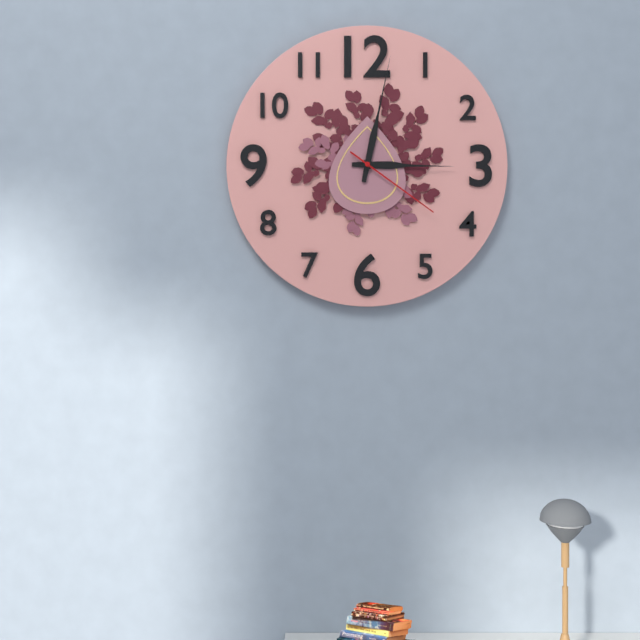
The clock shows 3.02.21
